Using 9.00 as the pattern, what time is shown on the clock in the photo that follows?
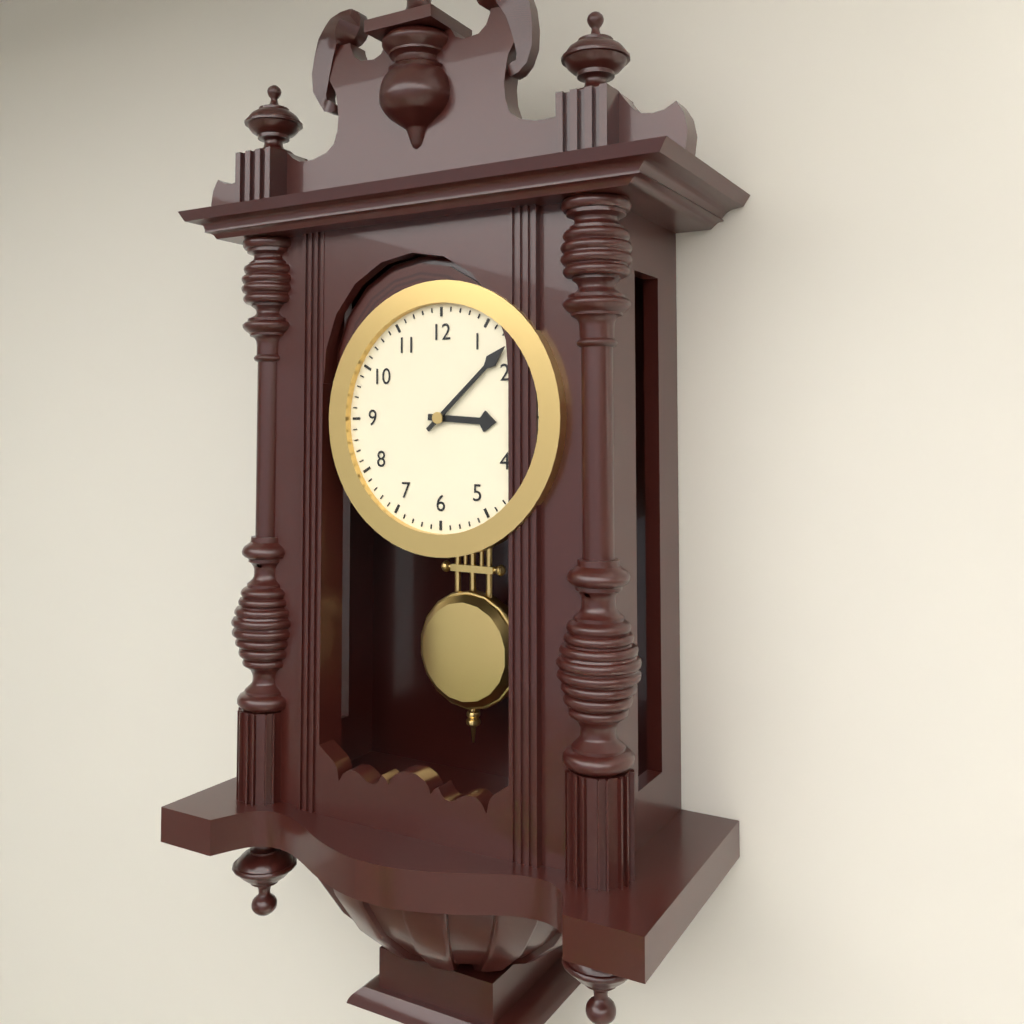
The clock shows 3.08
